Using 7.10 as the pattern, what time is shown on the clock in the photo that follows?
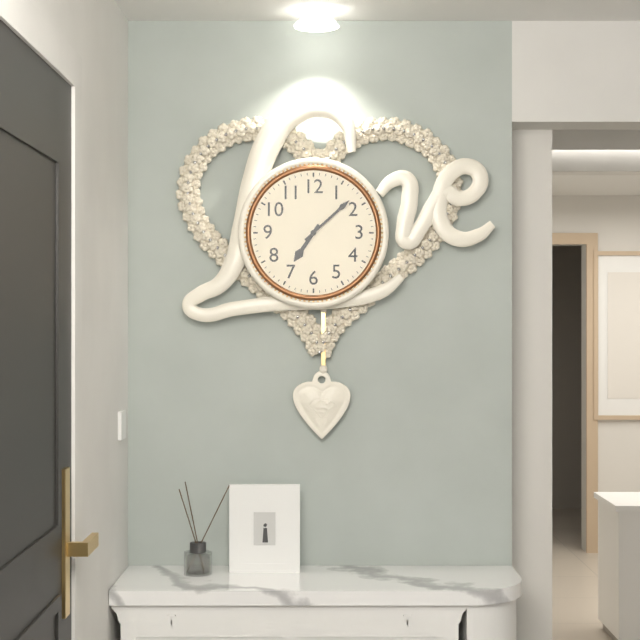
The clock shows 7.08
